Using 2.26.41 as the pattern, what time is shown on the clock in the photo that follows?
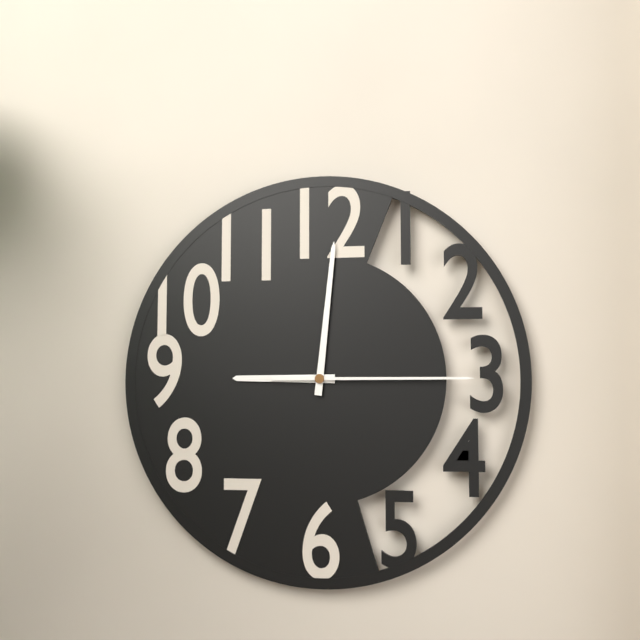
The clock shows 9.01.15
